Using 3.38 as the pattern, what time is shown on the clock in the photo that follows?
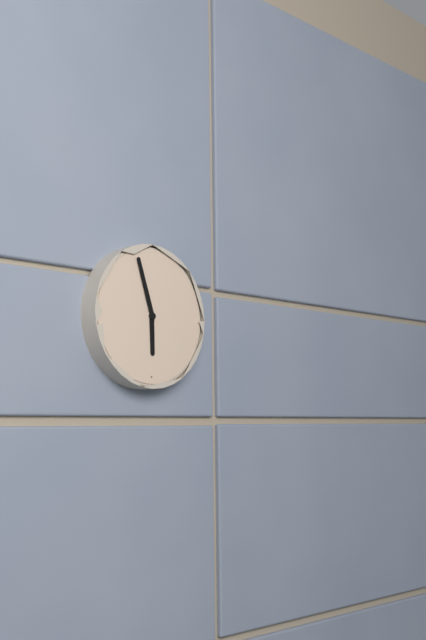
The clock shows 5.57
